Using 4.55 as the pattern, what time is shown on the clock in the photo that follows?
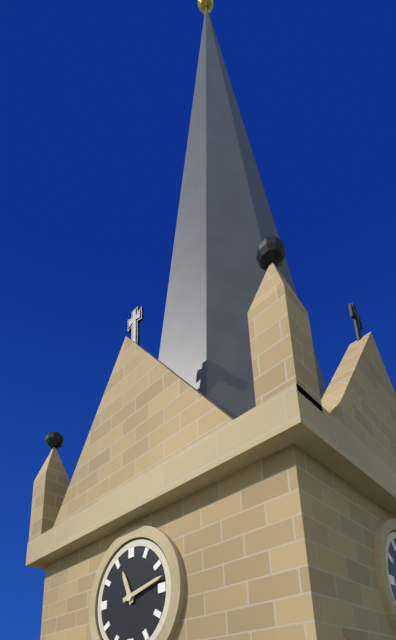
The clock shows 11.13
